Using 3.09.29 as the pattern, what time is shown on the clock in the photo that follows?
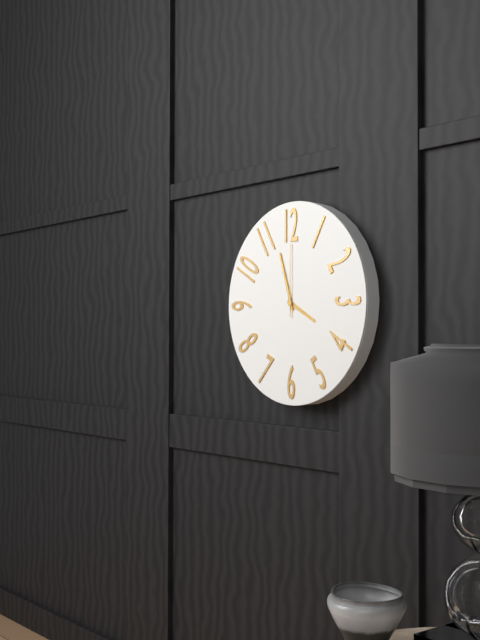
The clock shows 3.57.00
